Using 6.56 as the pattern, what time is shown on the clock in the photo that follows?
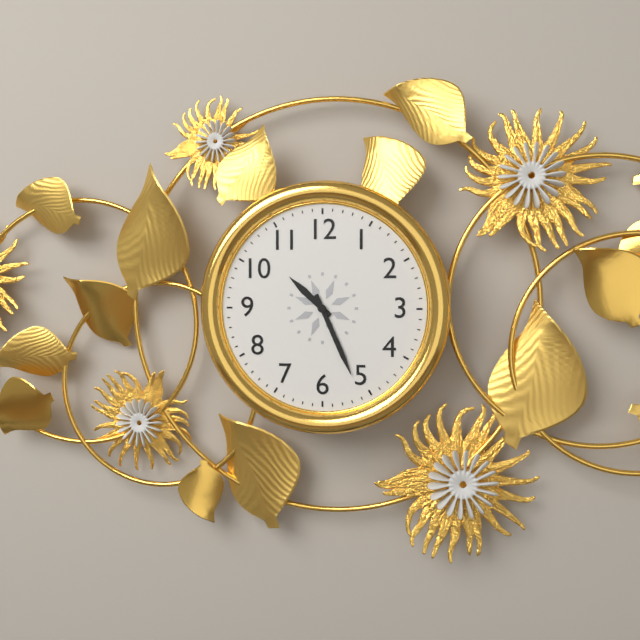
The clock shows 10.26
